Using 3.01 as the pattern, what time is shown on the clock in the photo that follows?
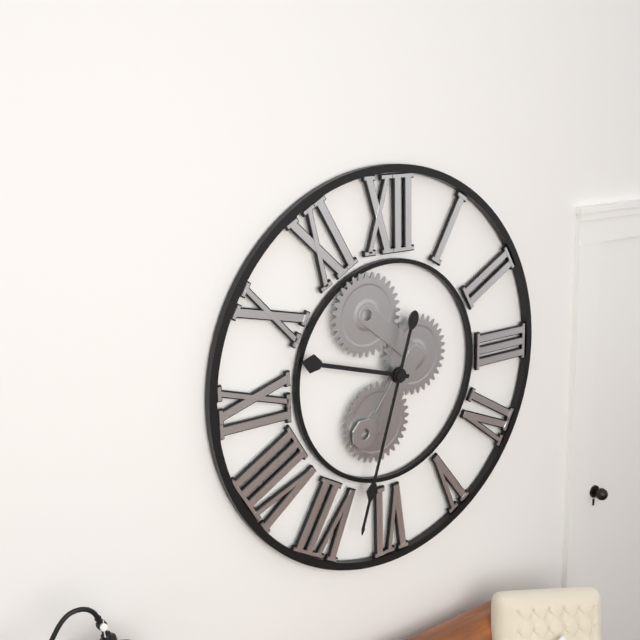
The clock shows 9.33
